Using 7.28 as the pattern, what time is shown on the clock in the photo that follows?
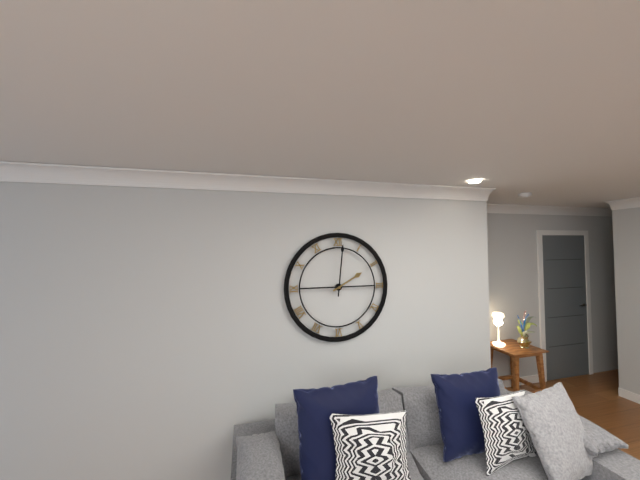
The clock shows 2.01
